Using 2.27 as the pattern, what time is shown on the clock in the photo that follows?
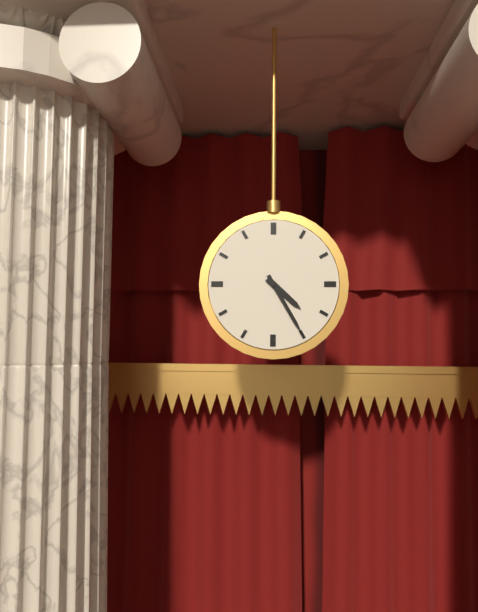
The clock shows 4.25
